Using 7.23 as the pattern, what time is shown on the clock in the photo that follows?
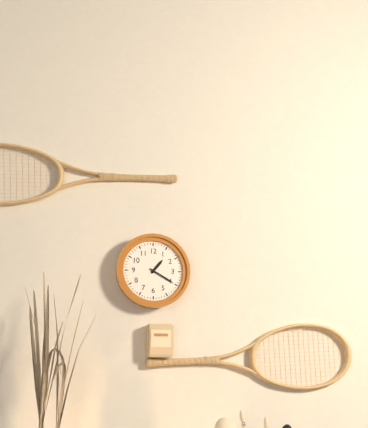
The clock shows 1.20
